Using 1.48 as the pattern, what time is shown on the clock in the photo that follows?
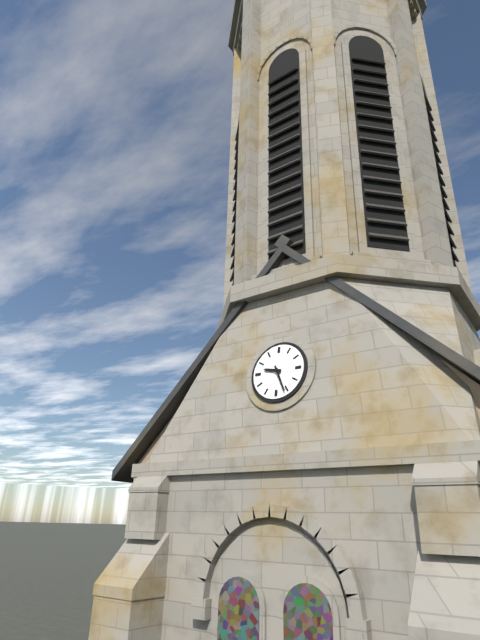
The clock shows 9.26
